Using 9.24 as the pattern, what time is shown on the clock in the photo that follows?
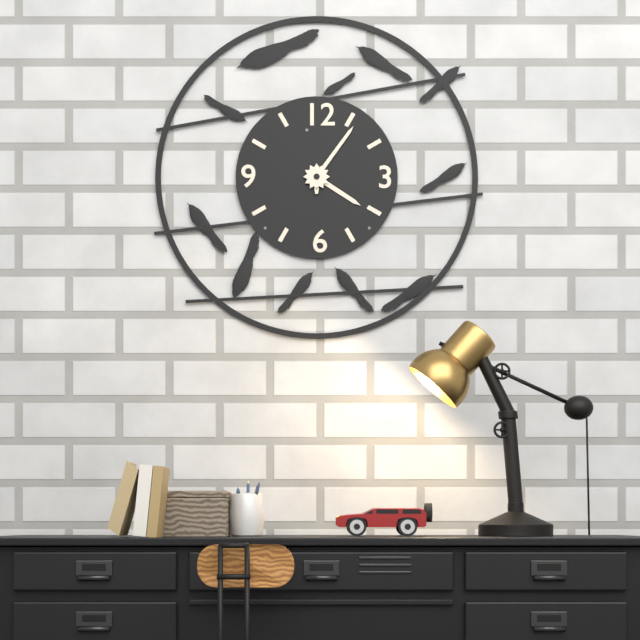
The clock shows 4.06
